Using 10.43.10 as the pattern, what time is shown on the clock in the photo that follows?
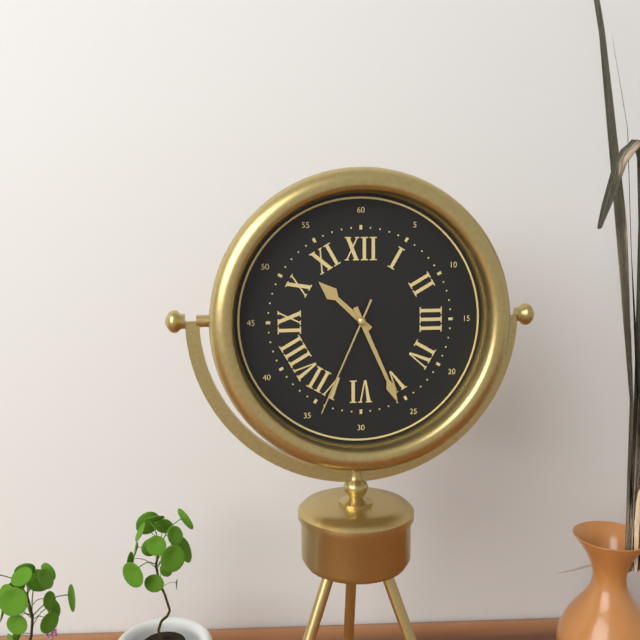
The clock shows 10.26.34
